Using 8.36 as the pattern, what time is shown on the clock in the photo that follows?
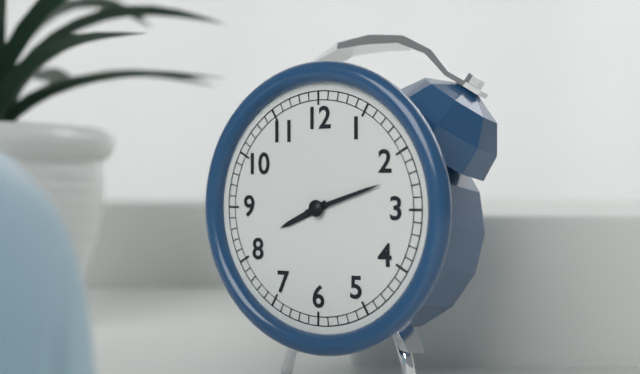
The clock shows 8.12
